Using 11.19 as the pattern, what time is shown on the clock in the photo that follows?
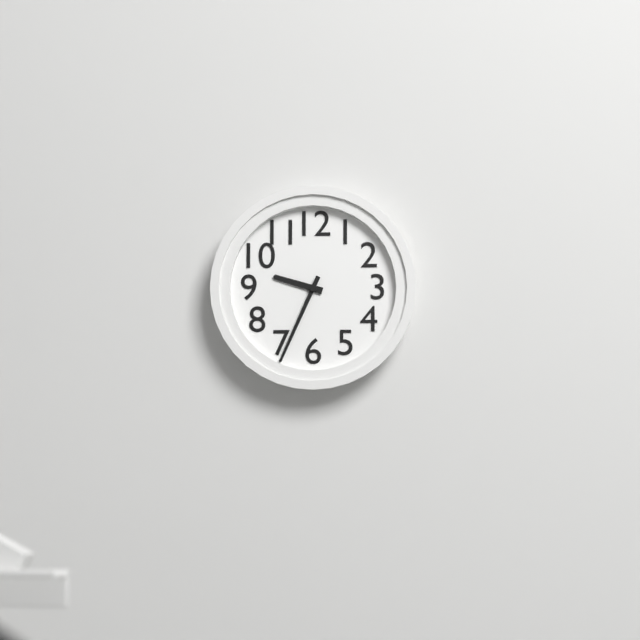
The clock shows 9.34
